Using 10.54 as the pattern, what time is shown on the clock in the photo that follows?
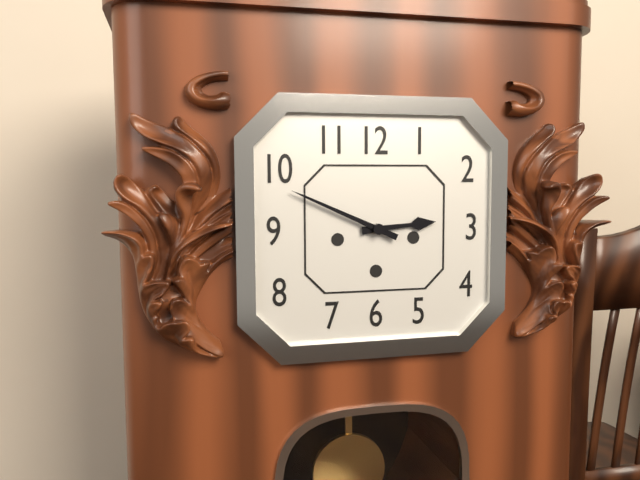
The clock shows 2.49
